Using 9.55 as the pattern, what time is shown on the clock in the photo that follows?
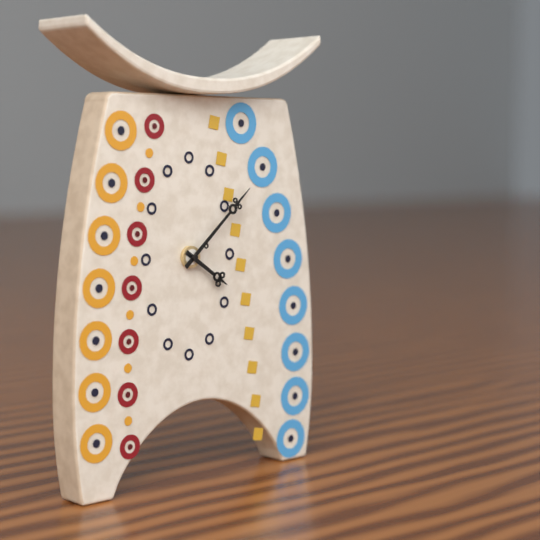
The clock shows 4.08
